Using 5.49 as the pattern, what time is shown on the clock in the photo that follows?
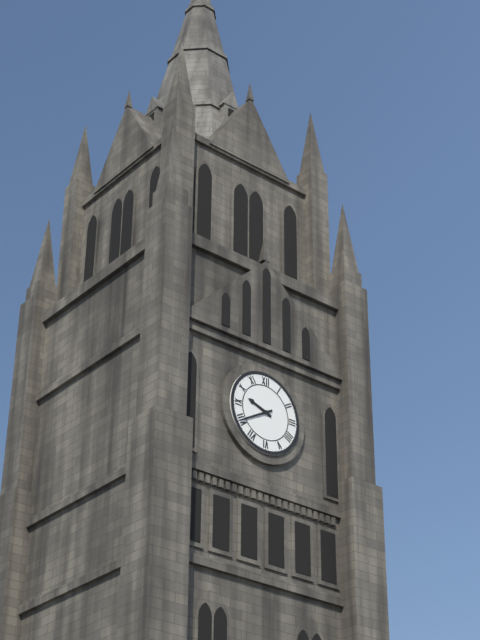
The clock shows 9.40
